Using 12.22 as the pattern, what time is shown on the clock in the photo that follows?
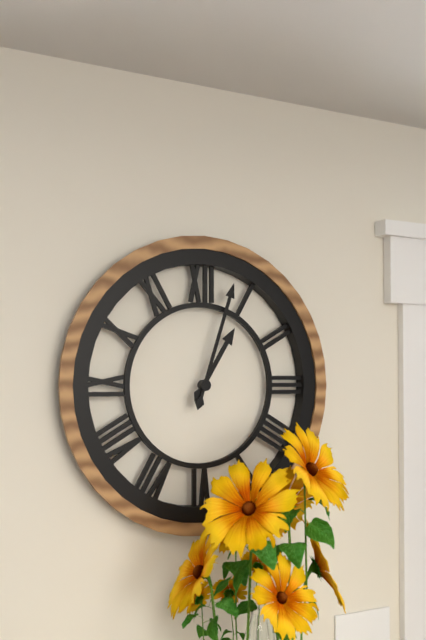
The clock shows 1.03
